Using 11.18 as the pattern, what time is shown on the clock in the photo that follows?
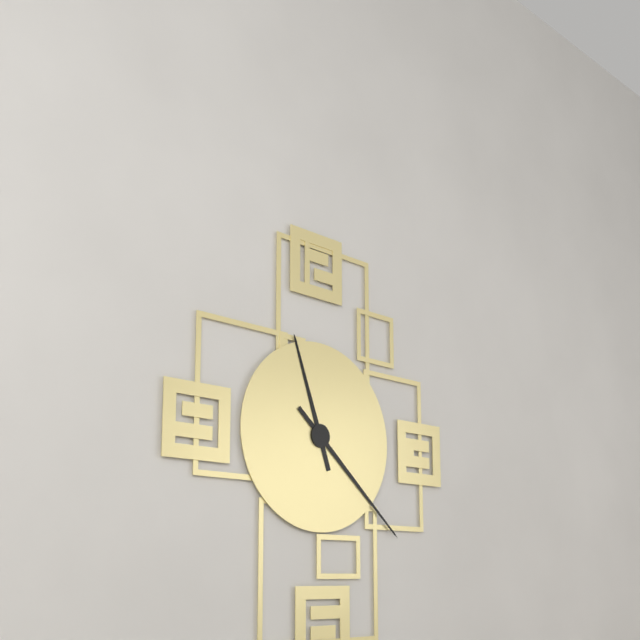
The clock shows 11.22
